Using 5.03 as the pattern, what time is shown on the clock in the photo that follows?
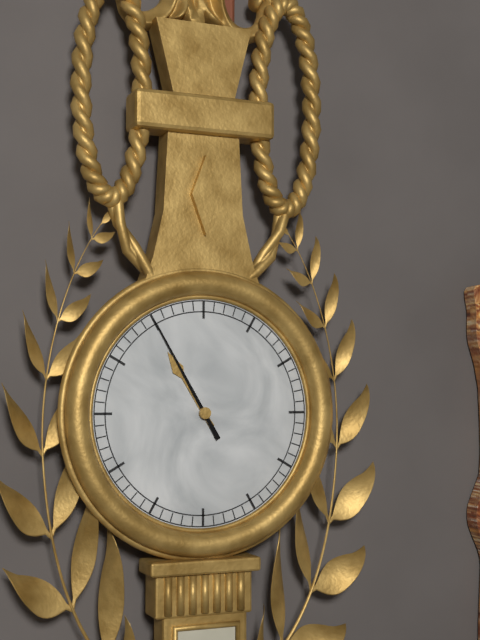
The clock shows 10.55
